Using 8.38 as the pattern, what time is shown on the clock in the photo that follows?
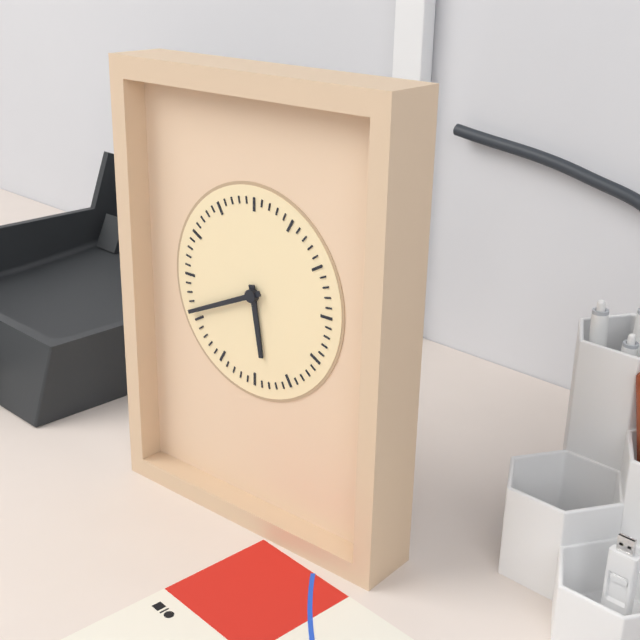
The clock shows 5.41
